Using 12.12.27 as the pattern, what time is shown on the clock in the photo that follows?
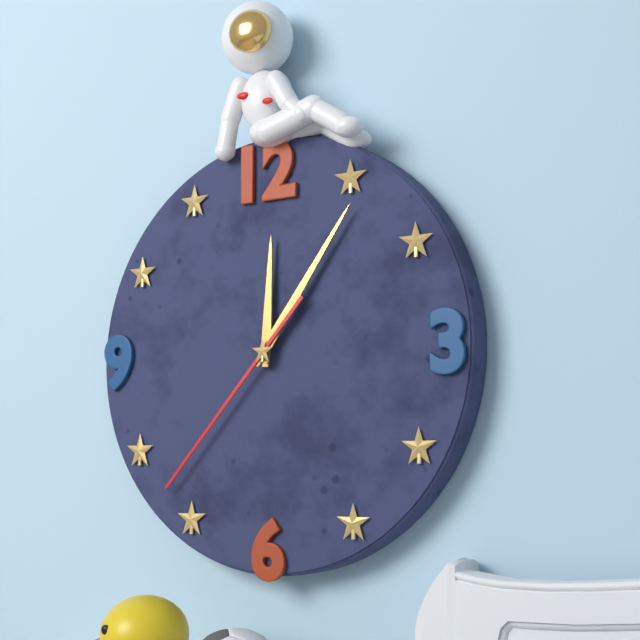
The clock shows 12.06.37
